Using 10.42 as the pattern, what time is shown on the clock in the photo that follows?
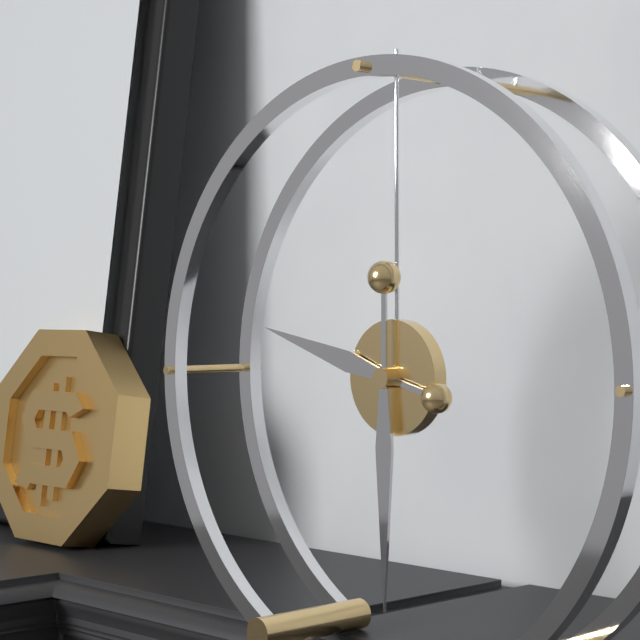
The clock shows 9.30
